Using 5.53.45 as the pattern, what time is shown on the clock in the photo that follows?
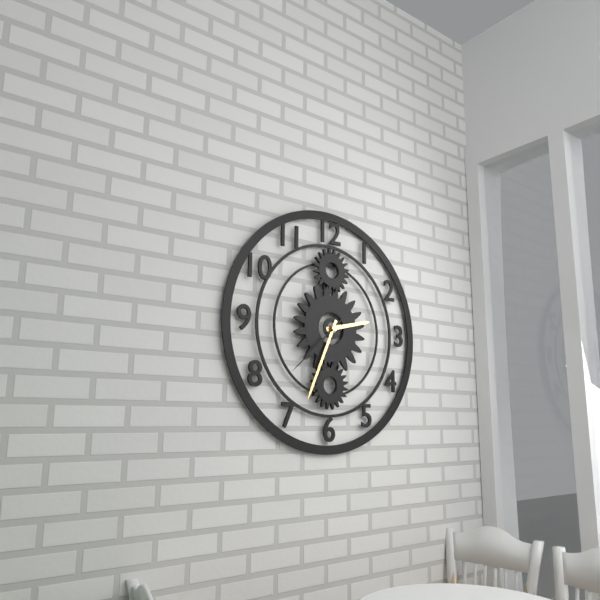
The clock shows 2.34.38
